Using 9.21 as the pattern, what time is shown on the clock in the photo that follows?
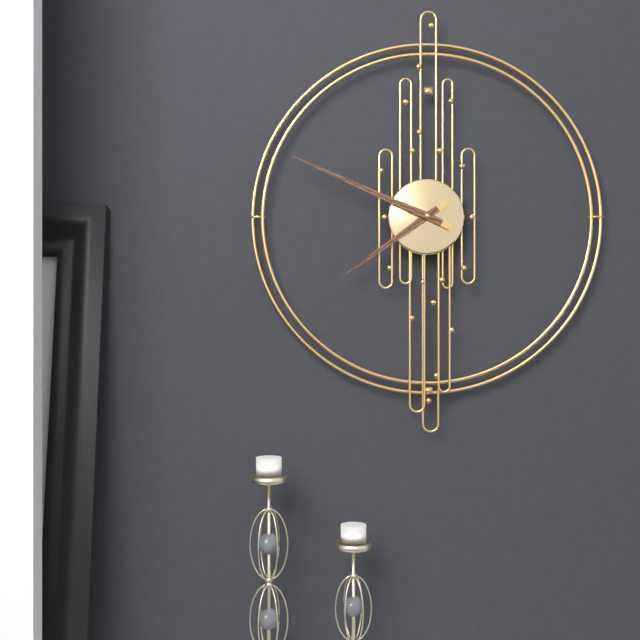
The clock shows 7.49
